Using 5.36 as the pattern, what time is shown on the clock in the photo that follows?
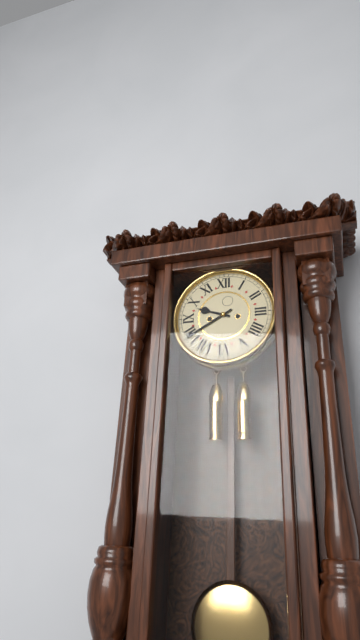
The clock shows 9.40
